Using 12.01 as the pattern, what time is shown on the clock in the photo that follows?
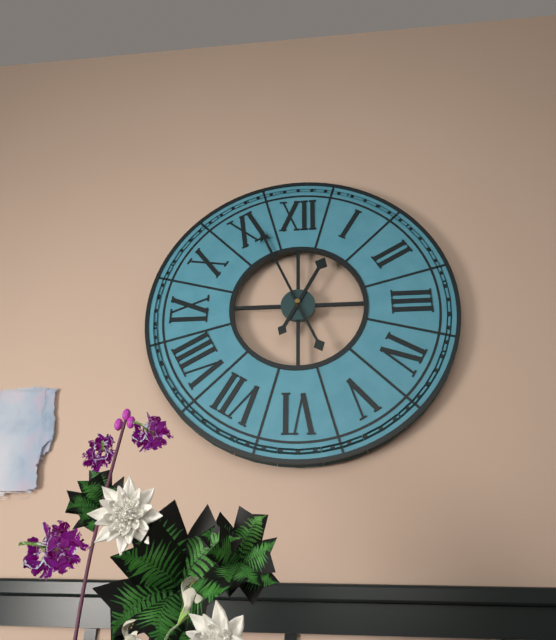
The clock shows 12.56
